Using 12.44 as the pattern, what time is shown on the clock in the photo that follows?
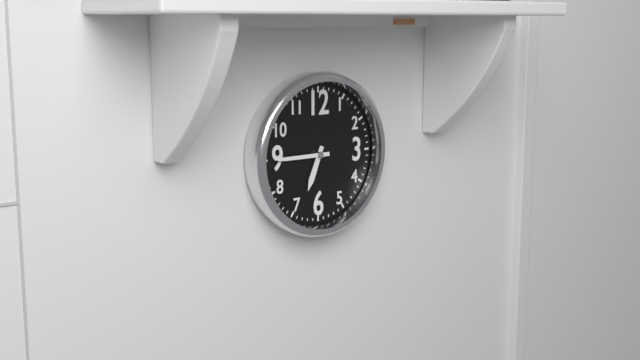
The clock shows 6.45
